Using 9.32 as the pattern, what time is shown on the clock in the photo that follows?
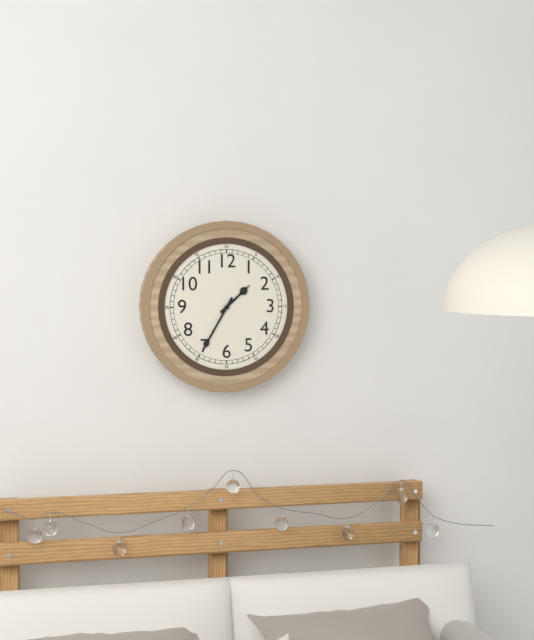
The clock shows 1.35
